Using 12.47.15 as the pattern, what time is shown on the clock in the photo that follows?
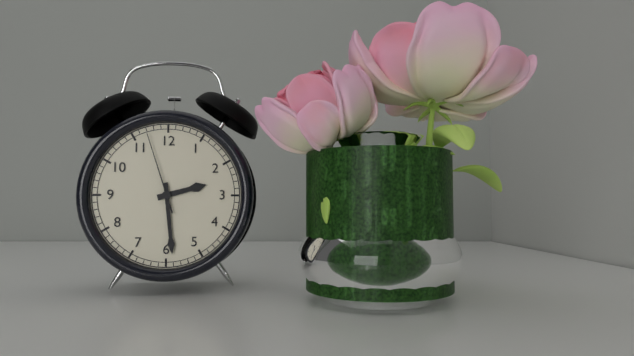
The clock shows 2.29.57
